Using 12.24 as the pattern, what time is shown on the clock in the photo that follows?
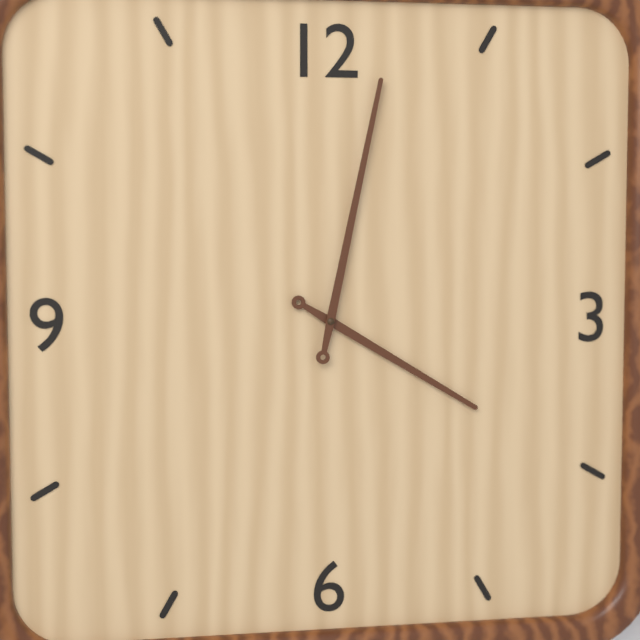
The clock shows 4.02
